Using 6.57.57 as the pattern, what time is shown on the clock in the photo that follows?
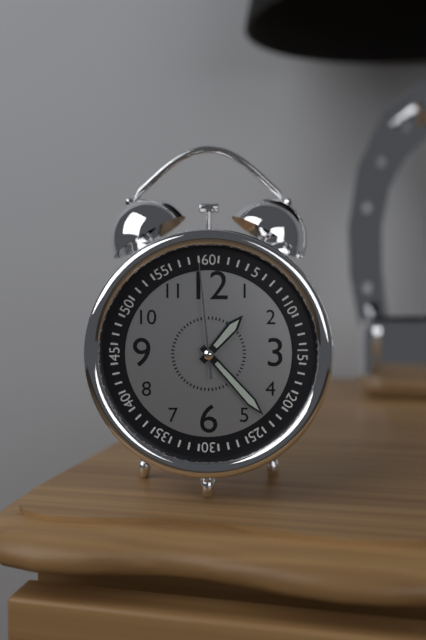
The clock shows 1.23.59
